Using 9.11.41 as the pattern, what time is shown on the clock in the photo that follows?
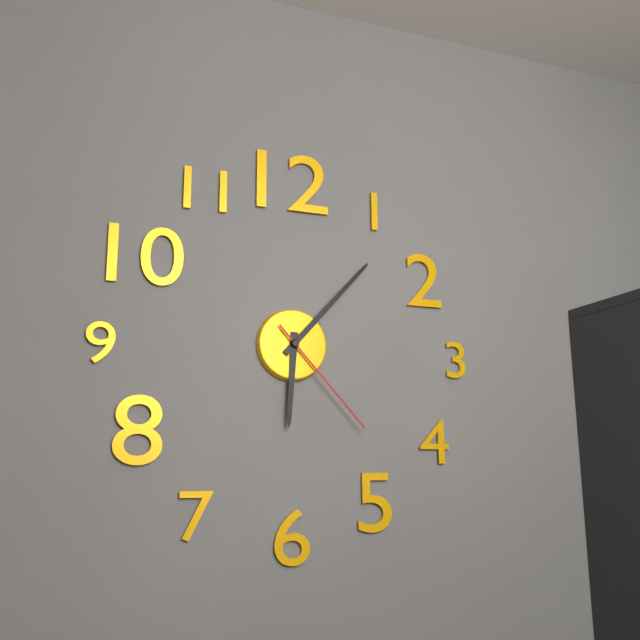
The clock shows 6.07.23
